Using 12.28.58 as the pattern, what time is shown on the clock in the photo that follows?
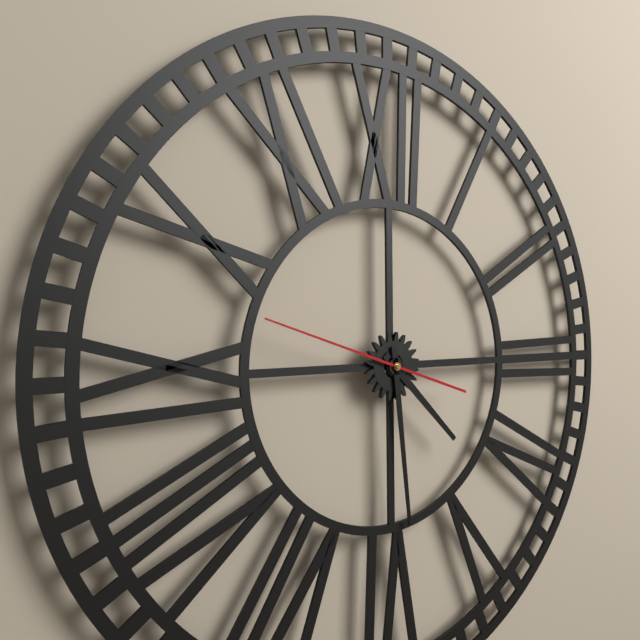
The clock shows 4.29.48
